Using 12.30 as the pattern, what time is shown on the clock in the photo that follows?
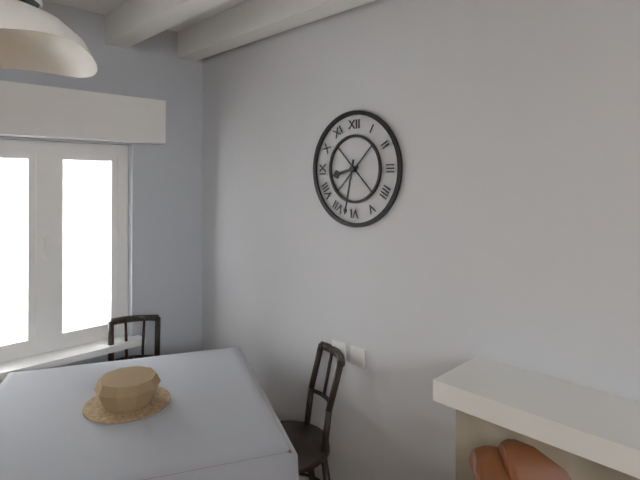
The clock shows 8.32
